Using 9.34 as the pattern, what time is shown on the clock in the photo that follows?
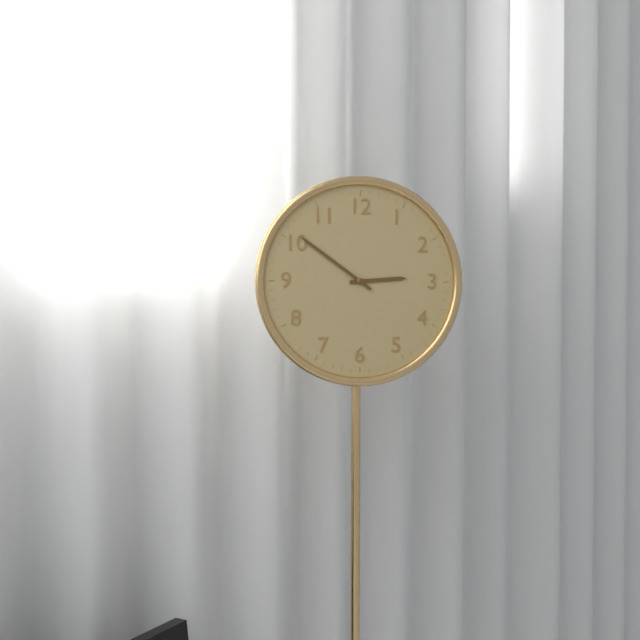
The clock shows 2.51
